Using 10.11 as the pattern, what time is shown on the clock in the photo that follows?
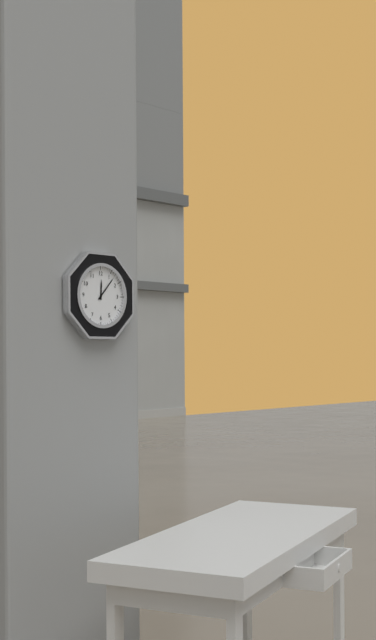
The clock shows 12.07
